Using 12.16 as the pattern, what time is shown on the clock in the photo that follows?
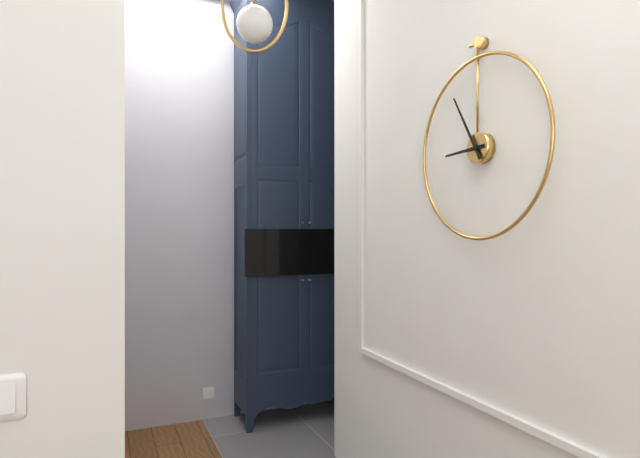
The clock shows 8.55
